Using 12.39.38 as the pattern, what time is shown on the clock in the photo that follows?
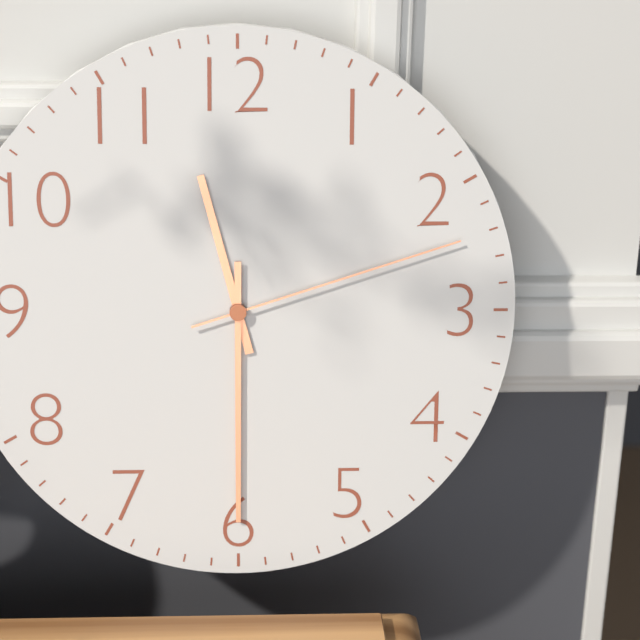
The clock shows 11.30.12
